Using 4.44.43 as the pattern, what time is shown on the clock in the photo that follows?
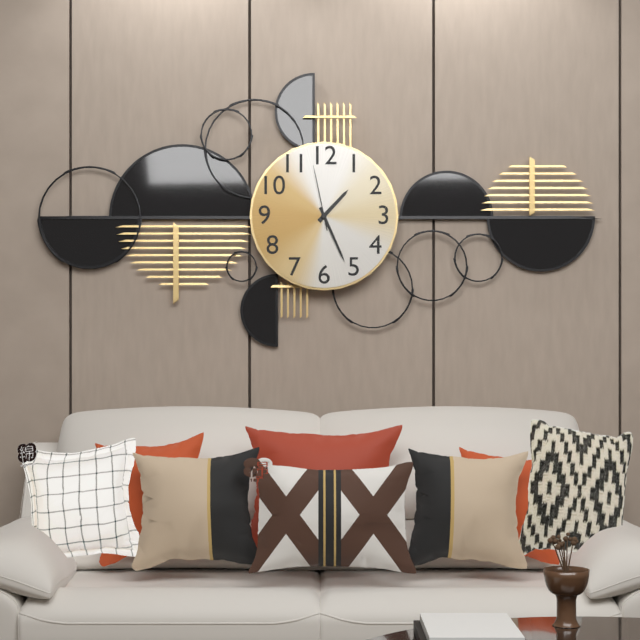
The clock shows 1.26.58
